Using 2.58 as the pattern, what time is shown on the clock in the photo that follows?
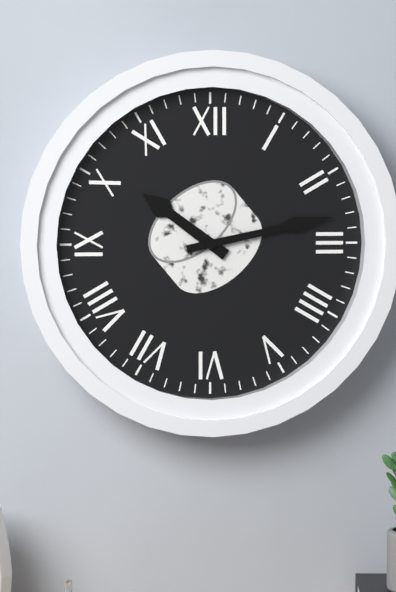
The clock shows 10.13
